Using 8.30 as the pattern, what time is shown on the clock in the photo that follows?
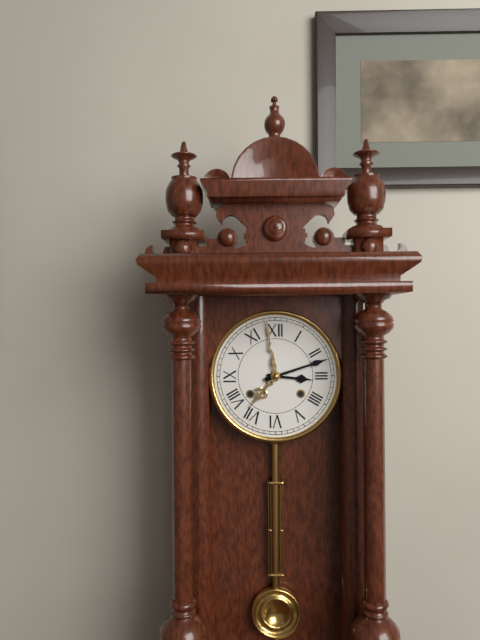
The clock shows 3.12
